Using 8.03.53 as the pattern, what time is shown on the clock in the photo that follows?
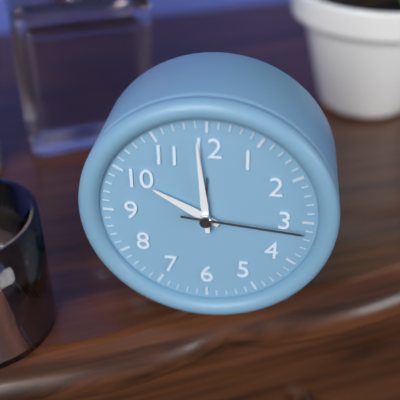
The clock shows 9.59.16
